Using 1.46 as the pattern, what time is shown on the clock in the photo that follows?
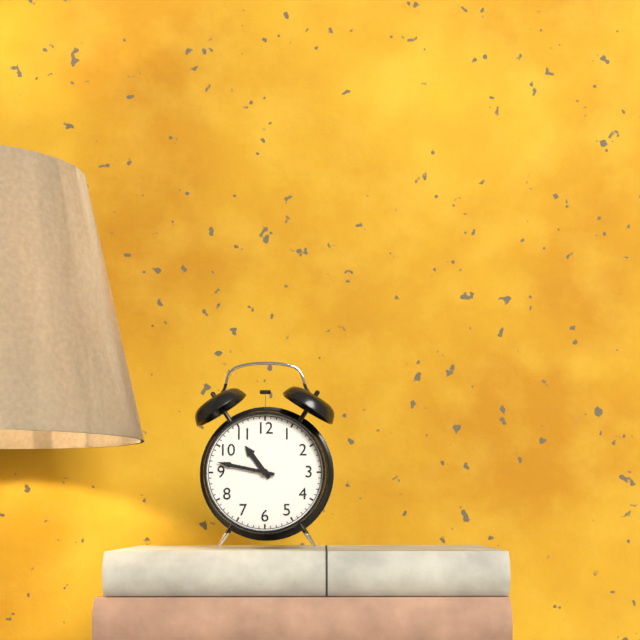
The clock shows 10.47
